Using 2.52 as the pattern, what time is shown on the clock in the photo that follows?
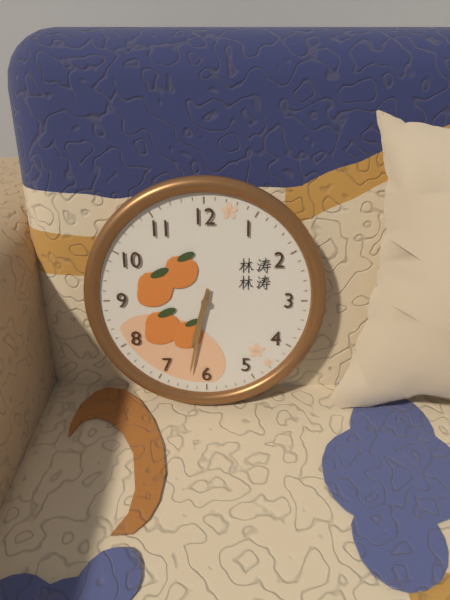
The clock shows 6.32
